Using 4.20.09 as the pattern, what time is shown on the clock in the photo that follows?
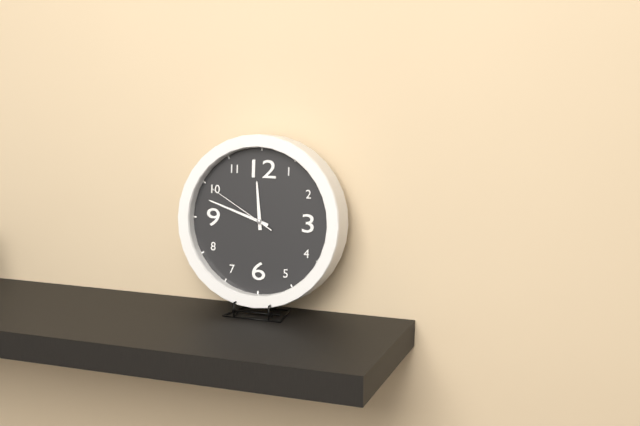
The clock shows 11.48.50
